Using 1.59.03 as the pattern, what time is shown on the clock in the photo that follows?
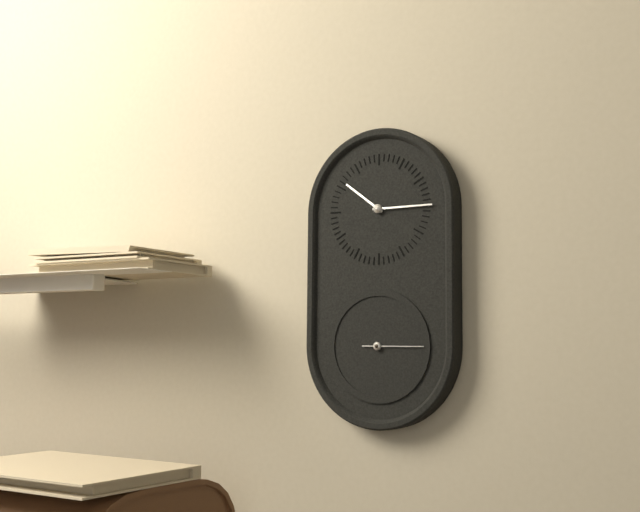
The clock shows 10.15.15
